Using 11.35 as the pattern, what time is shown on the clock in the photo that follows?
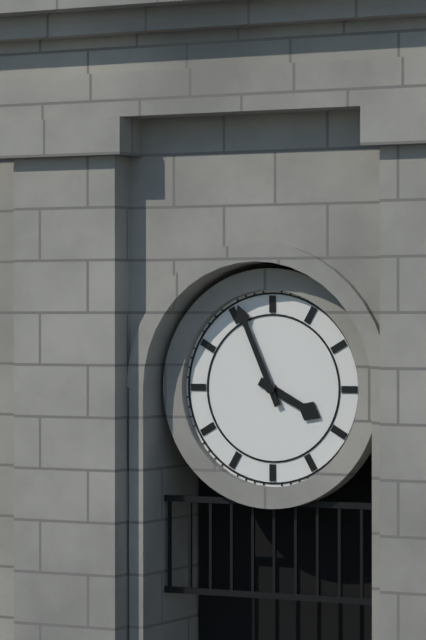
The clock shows 3.56
